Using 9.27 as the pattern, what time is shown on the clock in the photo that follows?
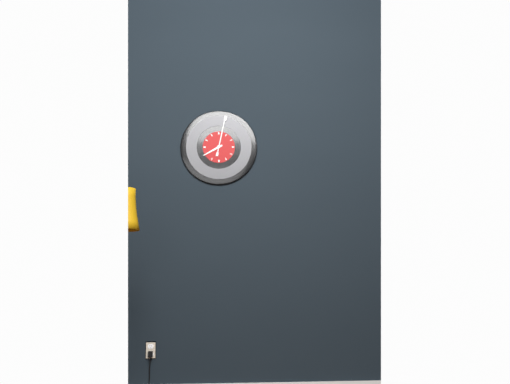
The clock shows 8.02
